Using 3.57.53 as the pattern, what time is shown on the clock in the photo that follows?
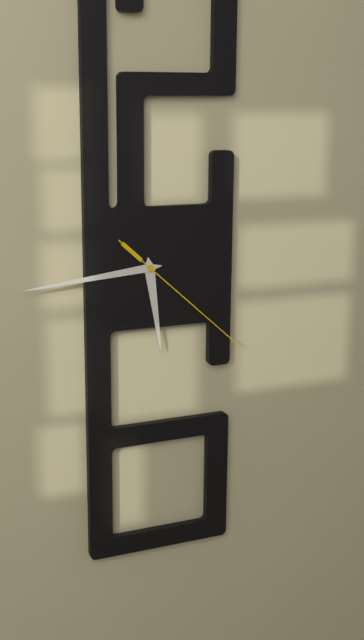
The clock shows 5.44.22
